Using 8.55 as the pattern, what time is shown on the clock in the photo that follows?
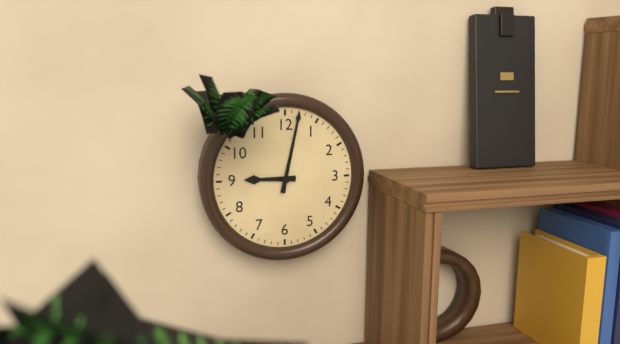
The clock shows 9.02
